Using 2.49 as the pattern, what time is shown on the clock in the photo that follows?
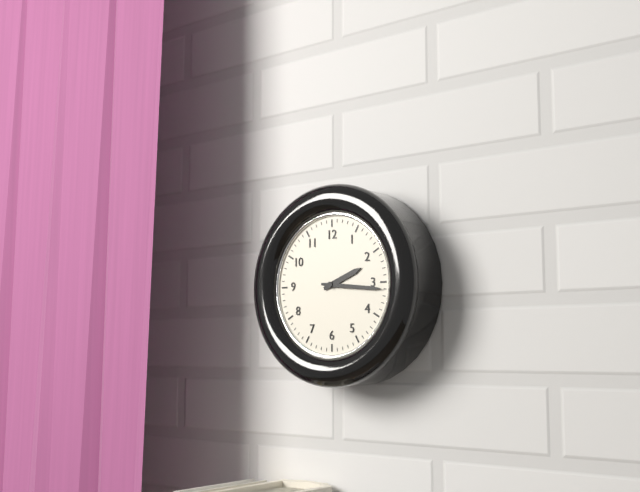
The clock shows 2.16
